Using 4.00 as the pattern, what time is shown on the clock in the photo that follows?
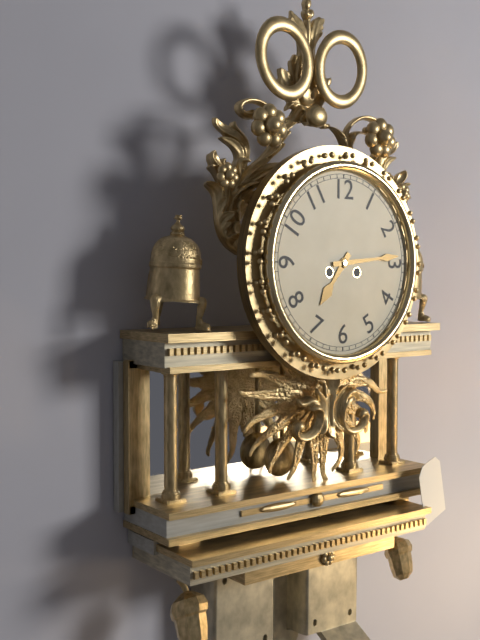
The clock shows 7.14
